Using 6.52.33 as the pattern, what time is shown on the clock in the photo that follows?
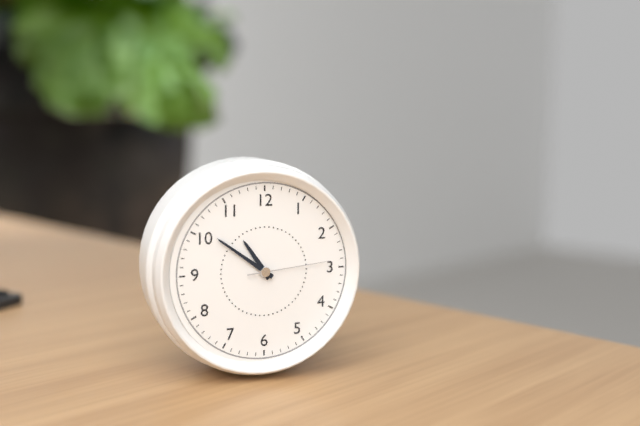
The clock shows 10.51.14
